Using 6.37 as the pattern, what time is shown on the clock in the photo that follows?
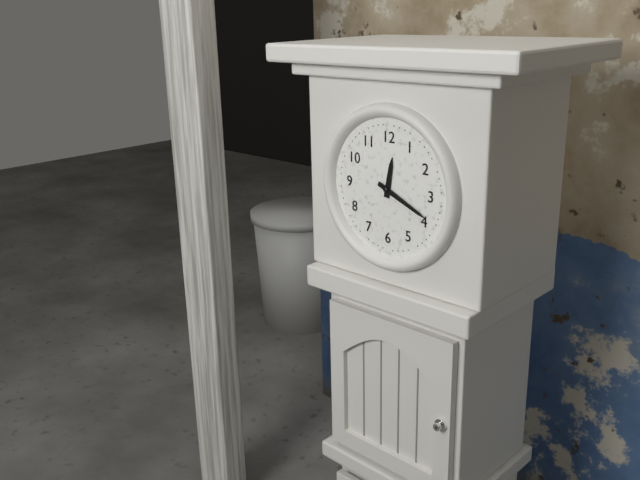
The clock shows 12.19
